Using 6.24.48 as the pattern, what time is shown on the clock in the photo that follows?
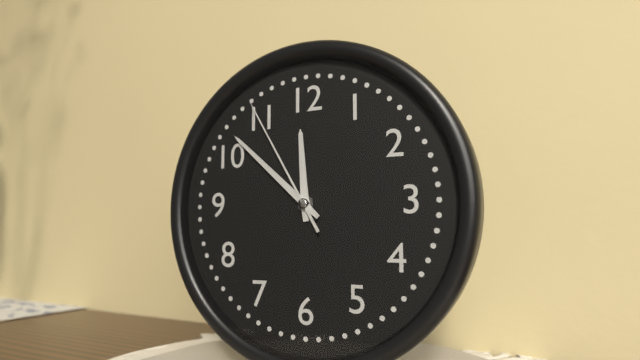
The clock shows 11.52.55
